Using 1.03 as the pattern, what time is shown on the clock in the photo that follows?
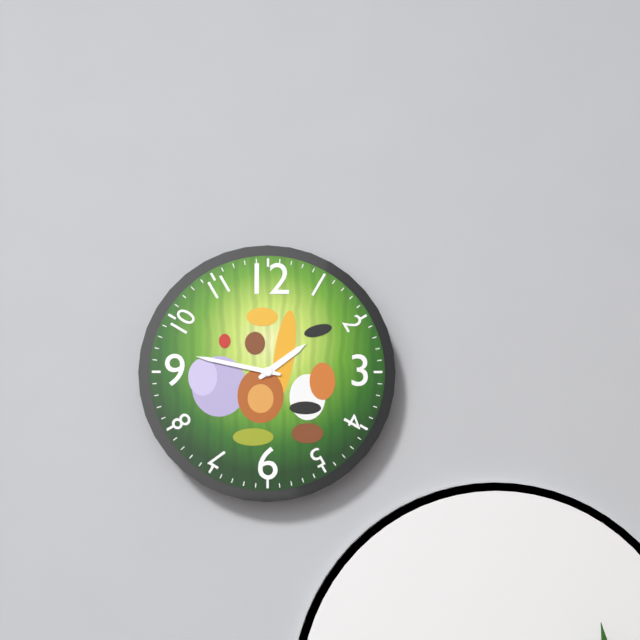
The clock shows 1.47
